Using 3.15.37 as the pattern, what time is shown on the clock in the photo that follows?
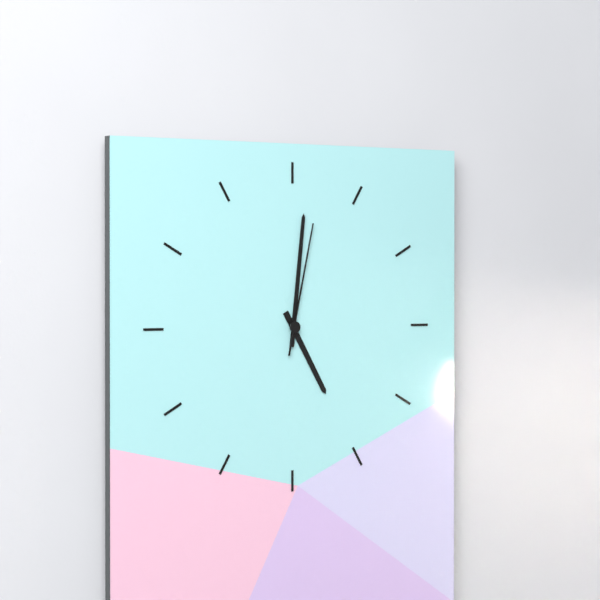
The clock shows 5.01.02
